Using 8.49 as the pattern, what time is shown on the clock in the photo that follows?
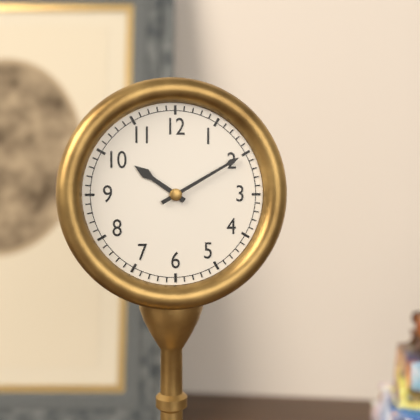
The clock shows 10.10
